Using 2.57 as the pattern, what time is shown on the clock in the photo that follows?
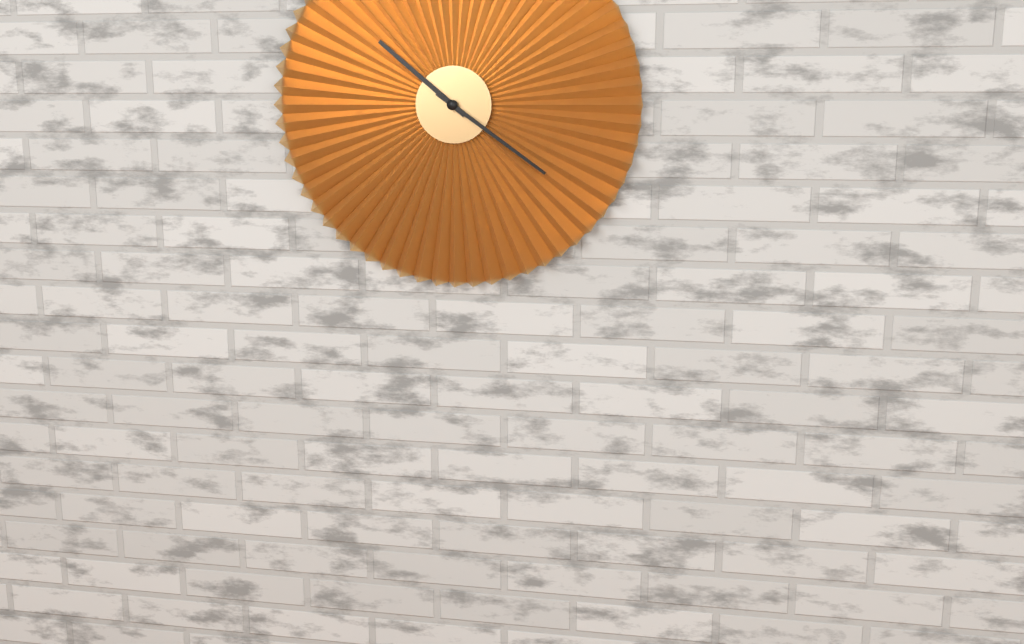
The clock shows 10.21
